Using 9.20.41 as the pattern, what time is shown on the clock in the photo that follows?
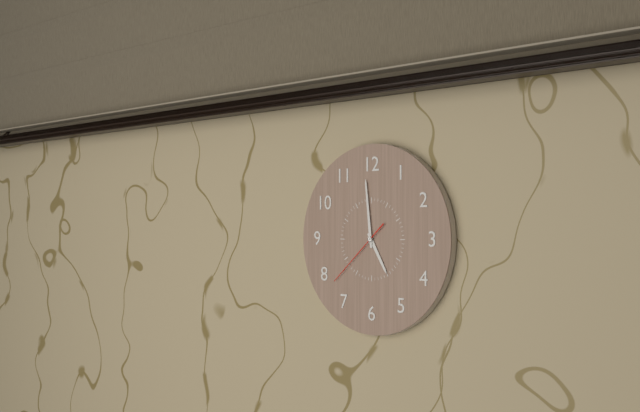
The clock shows 4.59.38
